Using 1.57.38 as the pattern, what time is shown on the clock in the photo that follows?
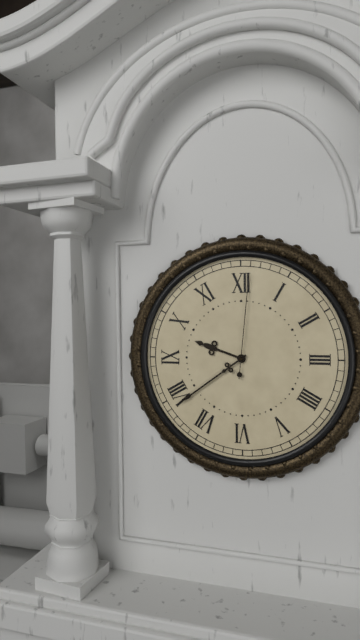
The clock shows 9.39.01
